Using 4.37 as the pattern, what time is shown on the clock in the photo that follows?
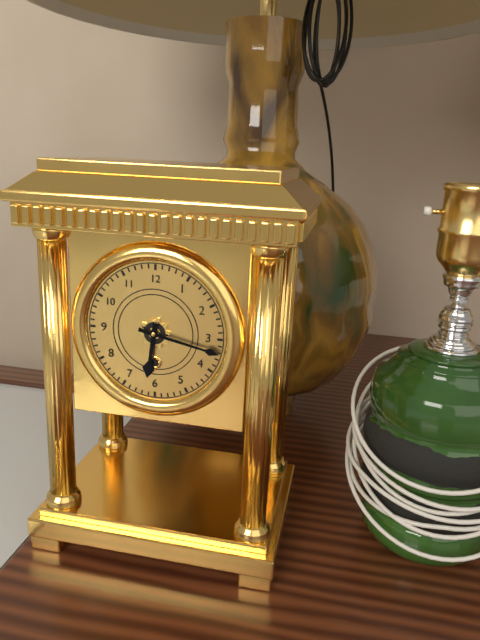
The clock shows 6.17
